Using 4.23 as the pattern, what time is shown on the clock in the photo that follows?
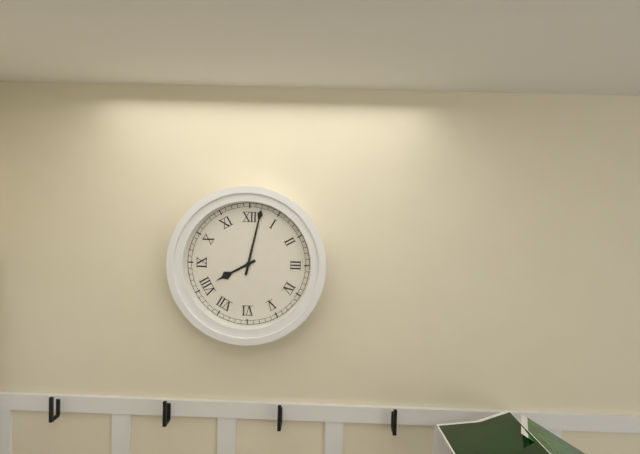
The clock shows 8.02
